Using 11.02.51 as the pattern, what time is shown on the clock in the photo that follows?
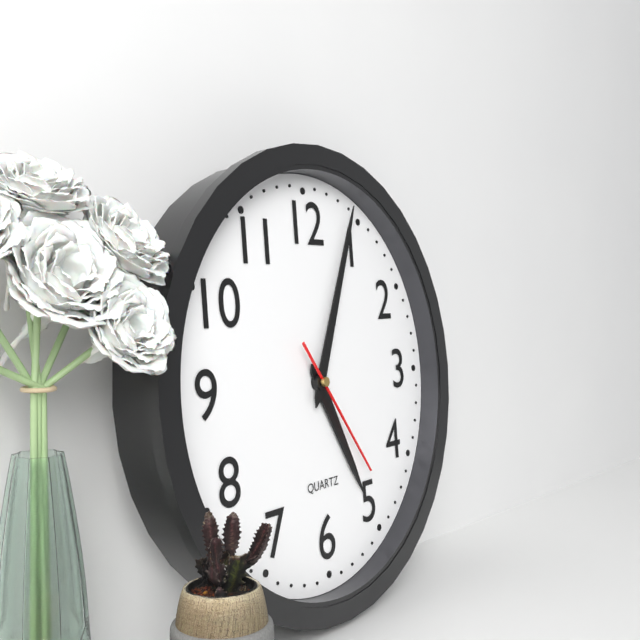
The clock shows 5.04.24
